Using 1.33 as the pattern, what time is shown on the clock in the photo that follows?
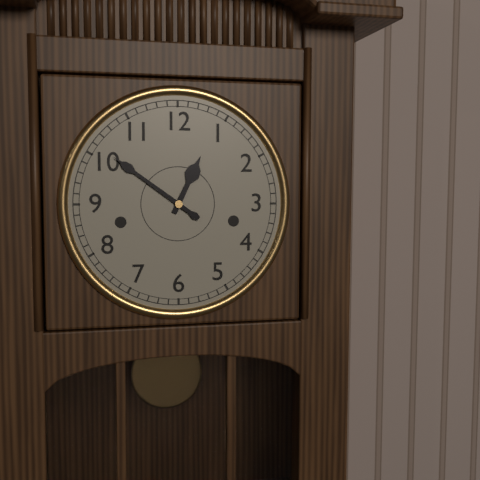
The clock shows 12.51
